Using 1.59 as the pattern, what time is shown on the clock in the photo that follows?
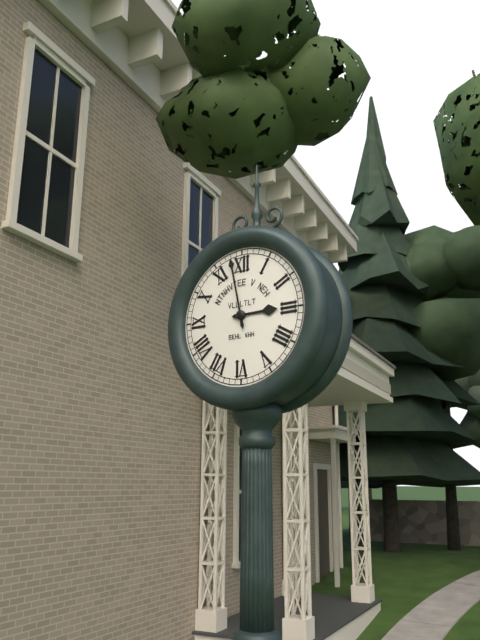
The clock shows 2.58
